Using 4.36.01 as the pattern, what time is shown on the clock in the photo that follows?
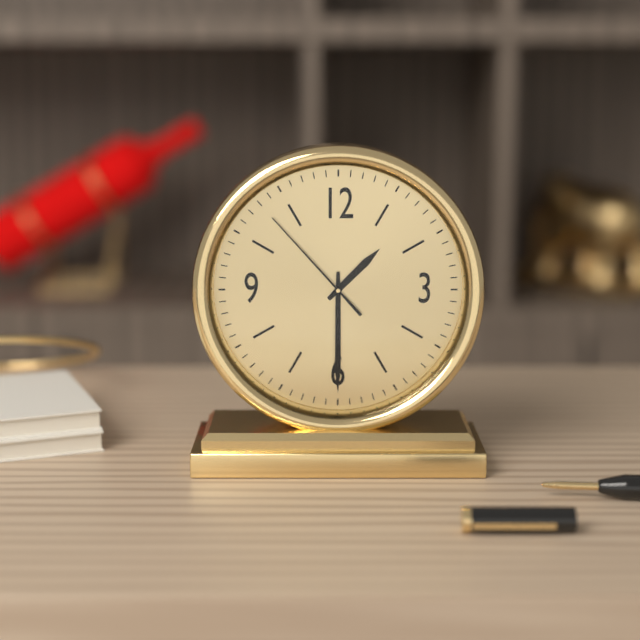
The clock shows 1.30.53
